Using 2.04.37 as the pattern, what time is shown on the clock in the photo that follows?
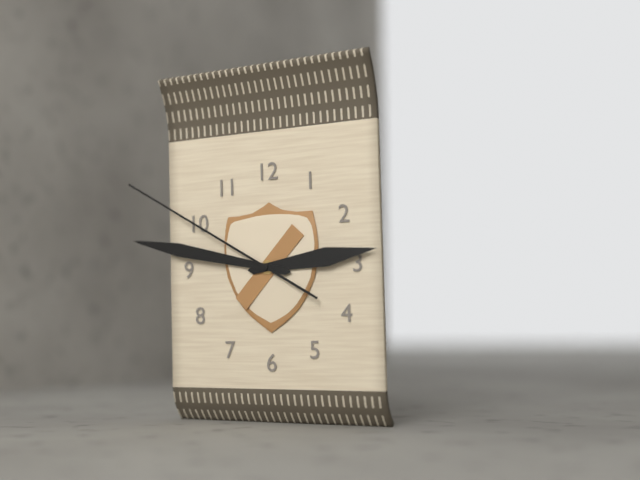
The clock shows 2.47.50
